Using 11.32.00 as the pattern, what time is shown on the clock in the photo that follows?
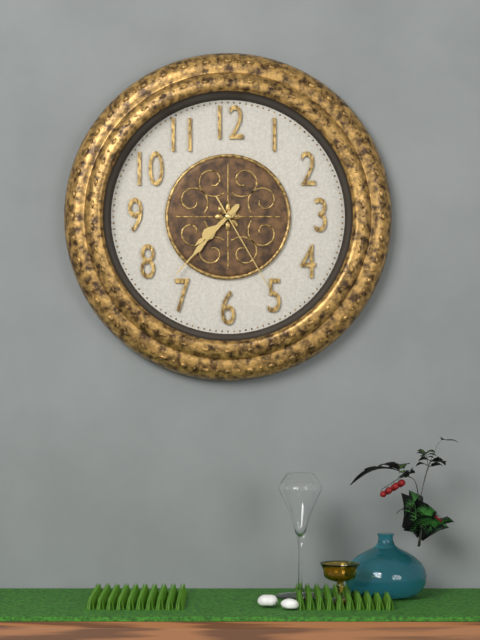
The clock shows 7.37.25
